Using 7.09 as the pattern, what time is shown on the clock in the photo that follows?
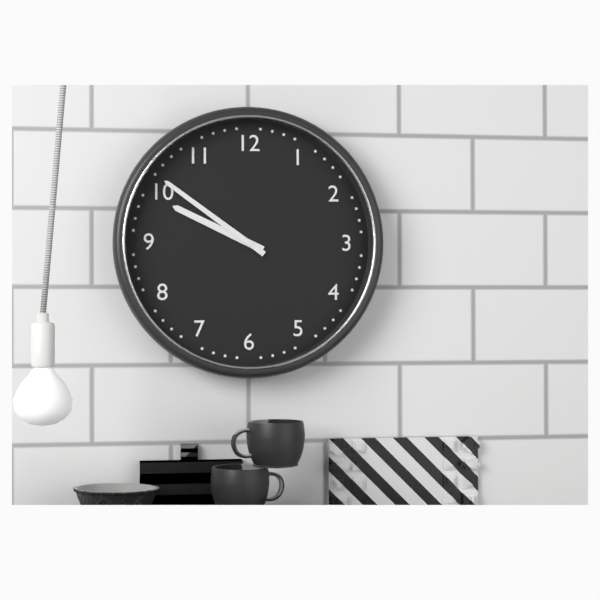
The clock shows 9.51
